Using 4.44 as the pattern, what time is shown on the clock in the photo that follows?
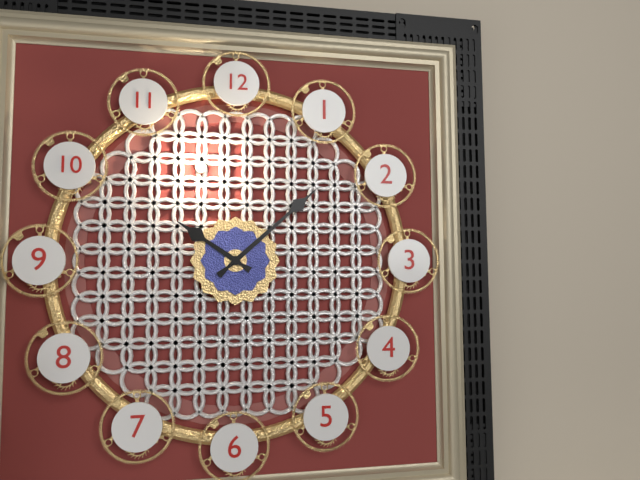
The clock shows 10.08
